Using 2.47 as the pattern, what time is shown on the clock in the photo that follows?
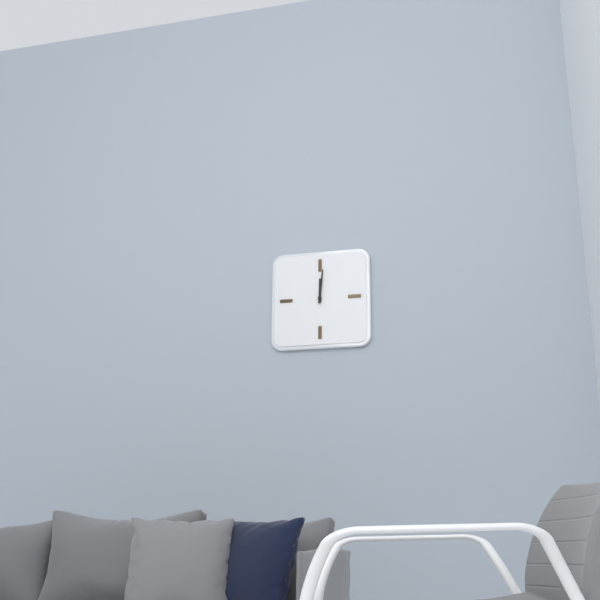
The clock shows 12.01
